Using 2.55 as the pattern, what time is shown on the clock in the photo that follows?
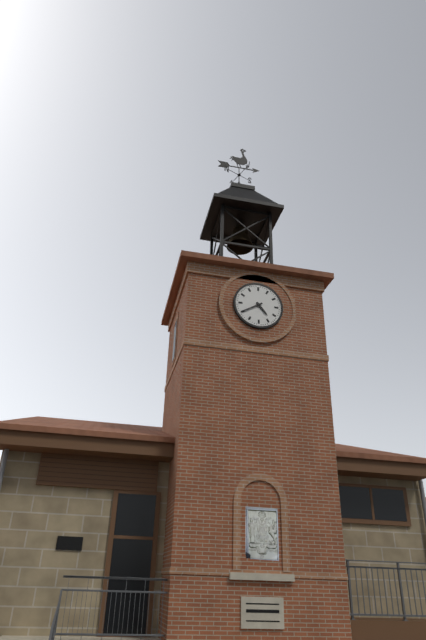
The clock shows 4.40
